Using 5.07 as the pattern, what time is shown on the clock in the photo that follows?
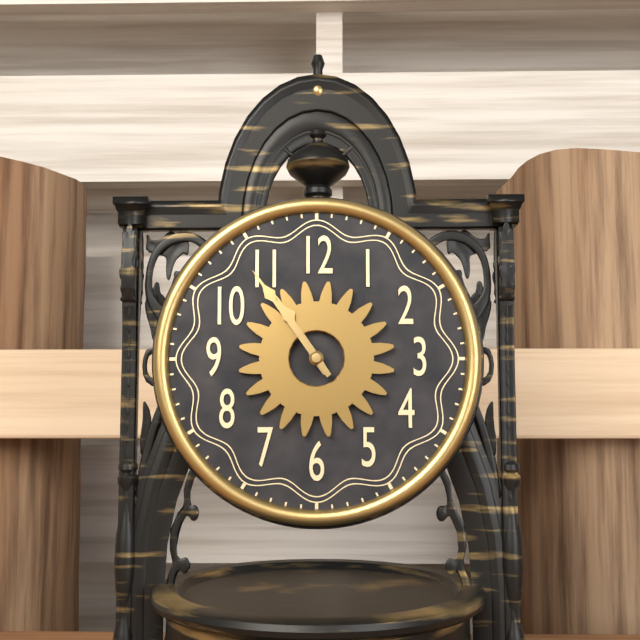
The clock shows 10.54
